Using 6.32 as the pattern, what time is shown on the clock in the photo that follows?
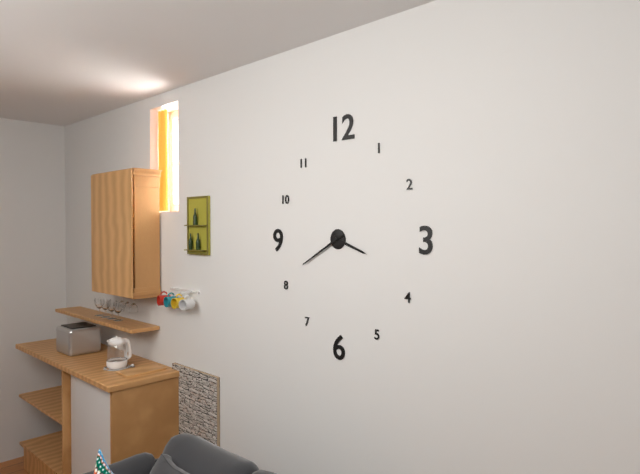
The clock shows 3.40
